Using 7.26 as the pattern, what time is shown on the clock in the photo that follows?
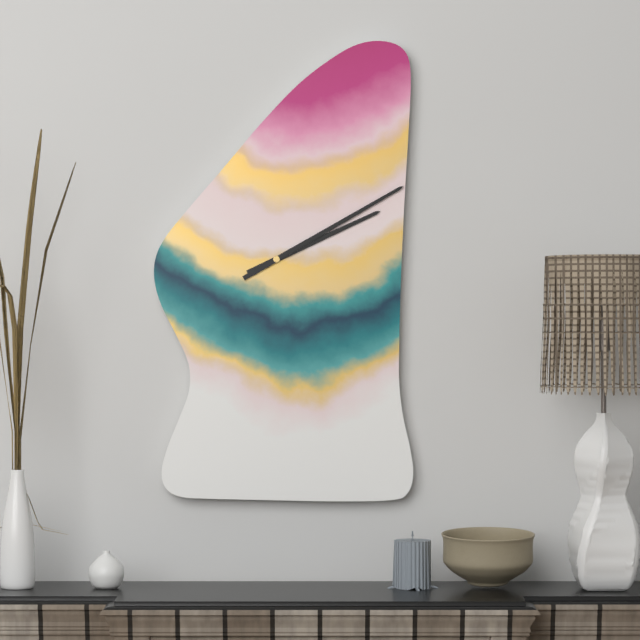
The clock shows 2.10
